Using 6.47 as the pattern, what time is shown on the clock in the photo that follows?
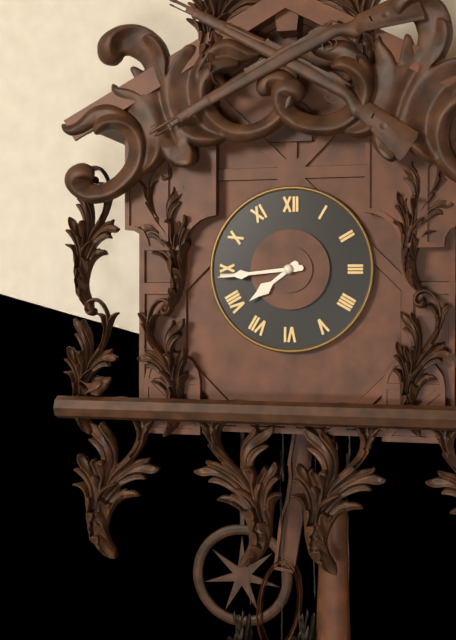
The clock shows 7.44
